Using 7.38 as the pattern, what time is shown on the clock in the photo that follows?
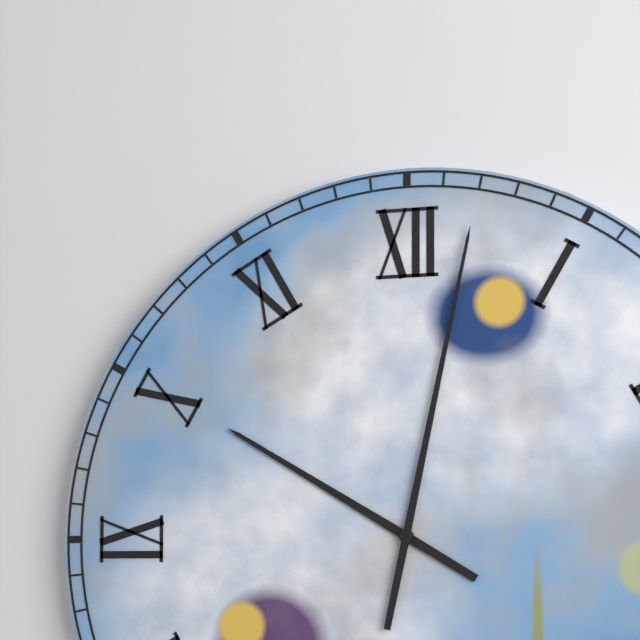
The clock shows 10.02
